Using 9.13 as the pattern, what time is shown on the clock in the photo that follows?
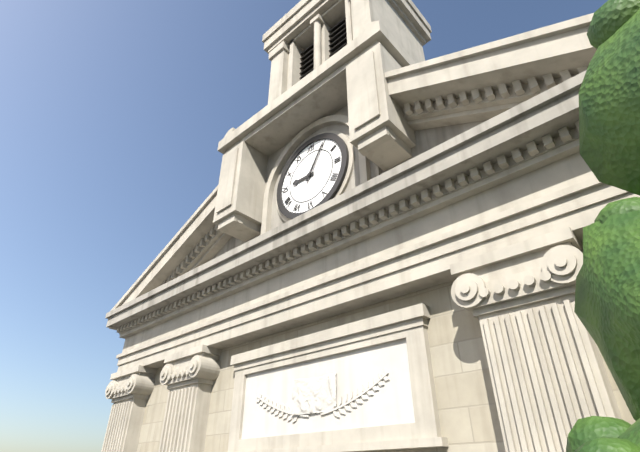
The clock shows 9.05
